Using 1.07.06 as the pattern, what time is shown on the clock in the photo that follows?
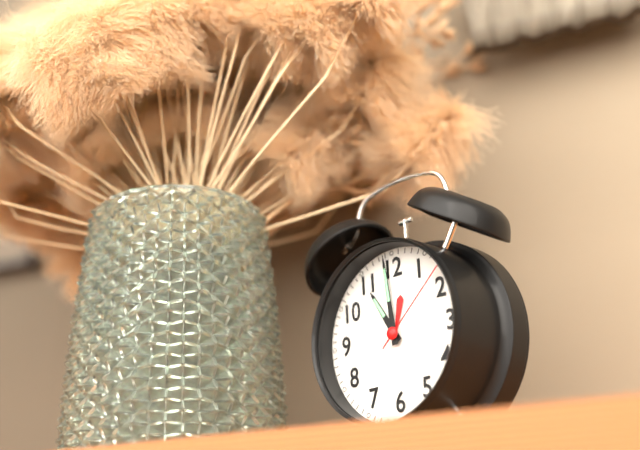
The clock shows 10.59.08
